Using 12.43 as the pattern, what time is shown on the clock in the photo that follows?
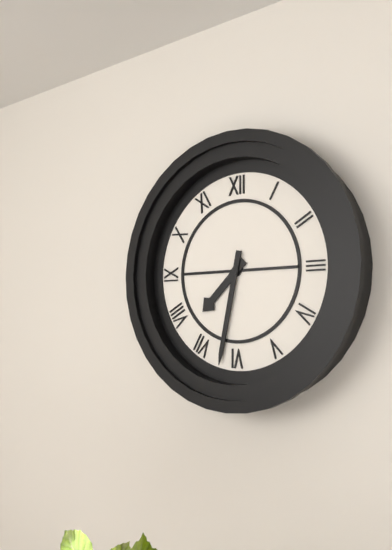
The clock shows 7.32
